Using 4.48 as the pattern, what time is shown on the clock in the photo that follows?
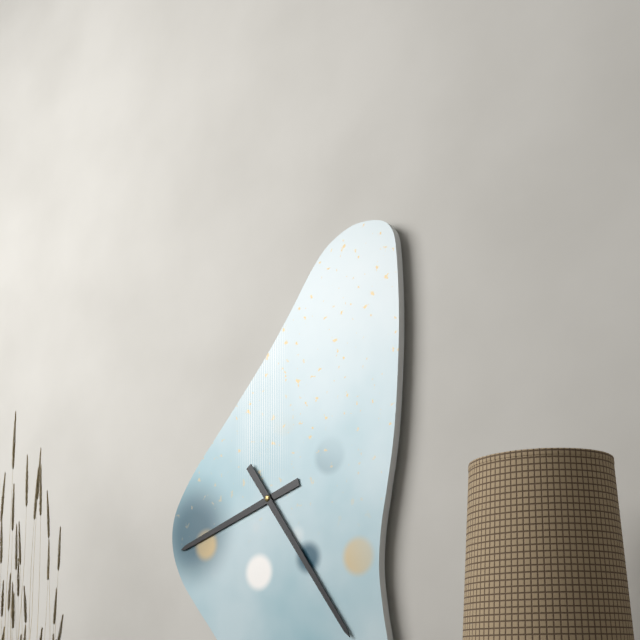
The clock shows 8.24
